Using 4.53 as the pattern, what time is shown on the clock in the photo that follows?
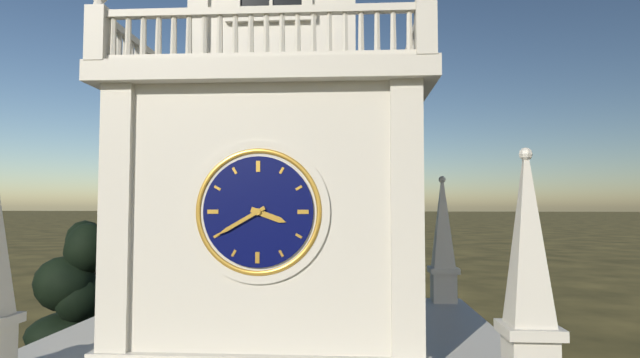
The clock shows 3.40
